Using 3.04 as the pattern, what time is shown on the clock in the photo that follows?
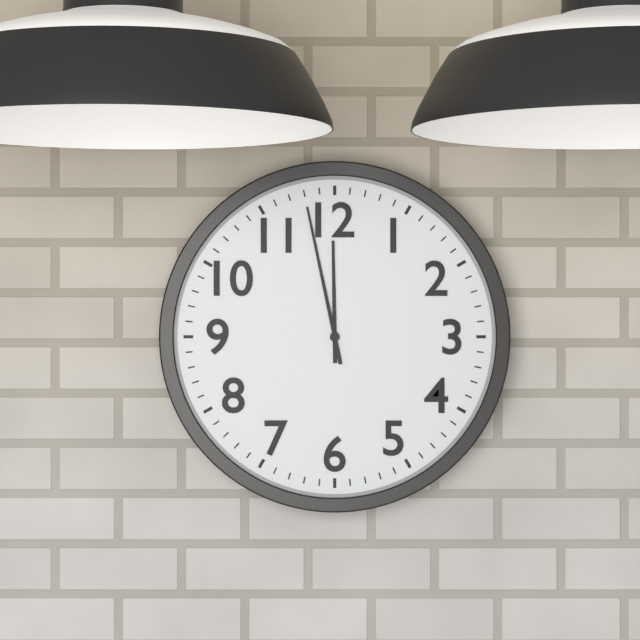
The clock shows 11.58
